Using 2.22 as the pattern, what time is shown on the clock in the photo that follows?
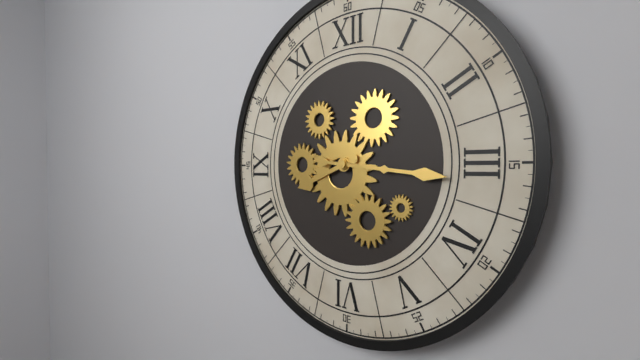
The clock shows 8.16
